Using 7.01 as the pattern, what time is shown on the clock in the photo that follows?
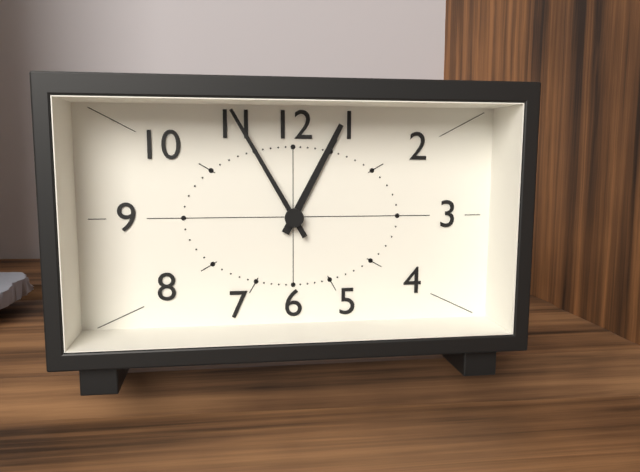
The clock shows 12.55
